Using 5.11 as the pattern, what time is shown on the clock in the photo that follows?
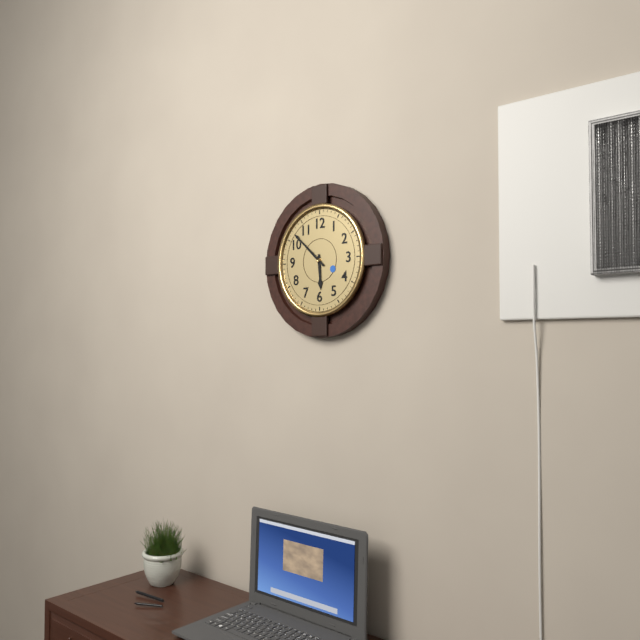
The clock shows 5.52
